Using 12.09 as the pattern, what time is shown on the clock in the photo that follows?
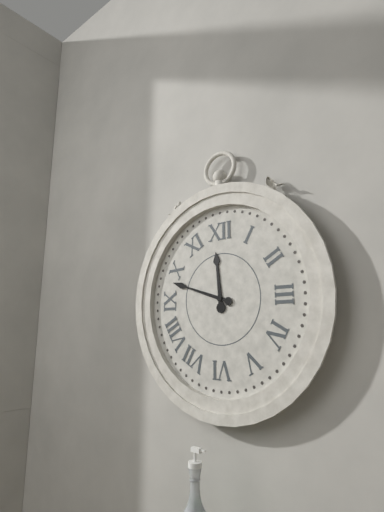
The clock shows 11.48
